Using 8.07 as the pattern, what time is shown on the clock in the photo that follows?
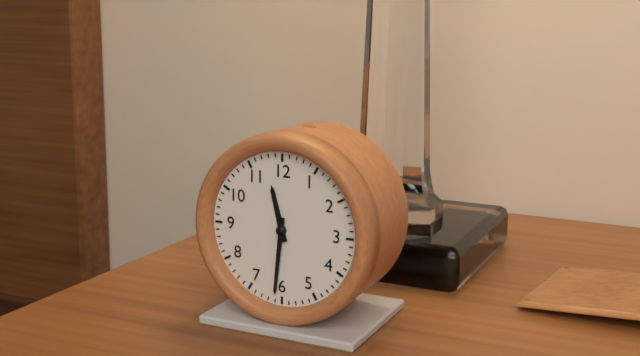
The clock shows 11.31
